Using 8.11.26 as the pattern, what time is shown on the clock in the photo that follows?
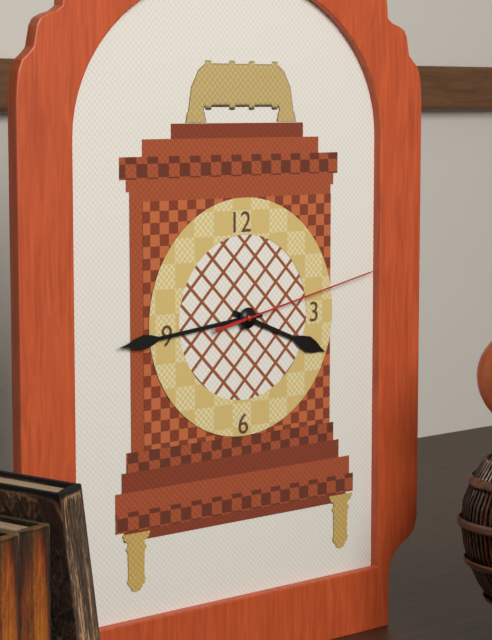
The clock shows 3.44.13
